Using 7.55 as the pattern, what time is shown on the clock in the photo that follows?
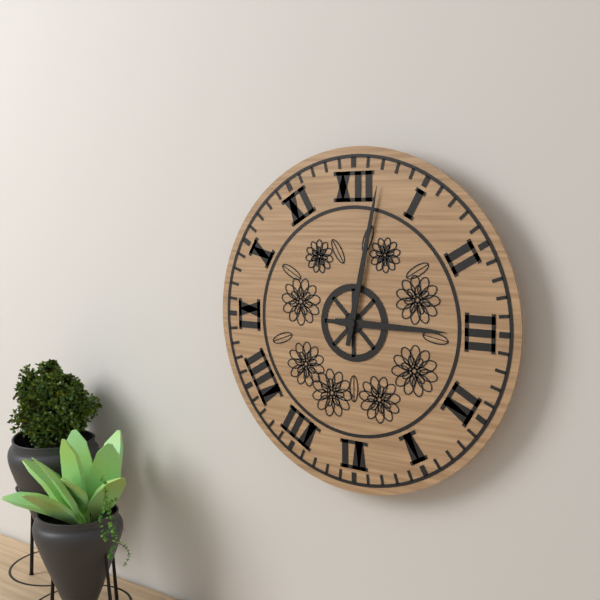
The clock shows 3.02
